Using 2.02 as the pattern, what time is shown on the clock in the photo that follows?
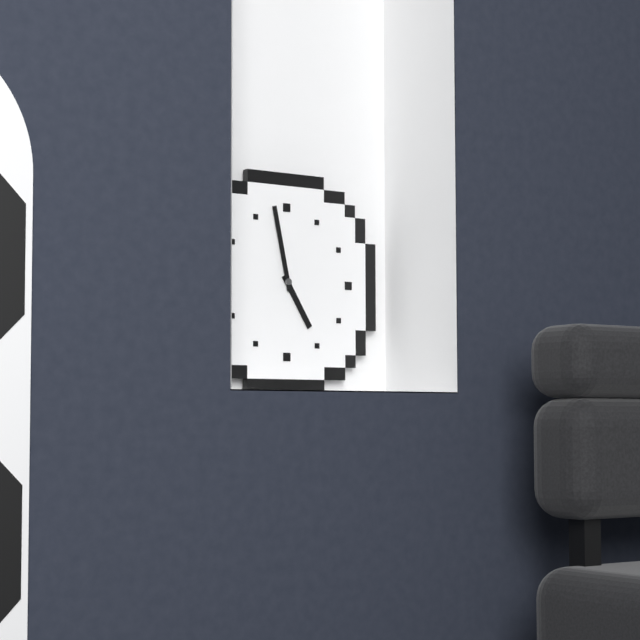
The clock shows 4.58
